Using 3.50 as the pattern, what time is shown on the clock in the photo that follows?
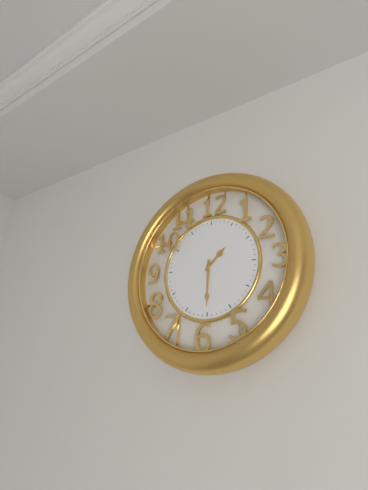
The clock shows 1.30
